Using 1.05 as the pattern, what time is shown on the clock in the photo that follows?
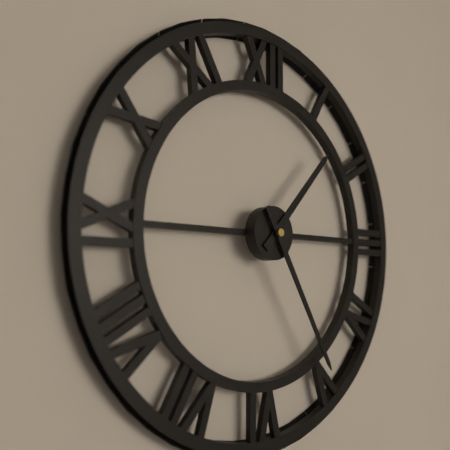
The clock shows 1.25
